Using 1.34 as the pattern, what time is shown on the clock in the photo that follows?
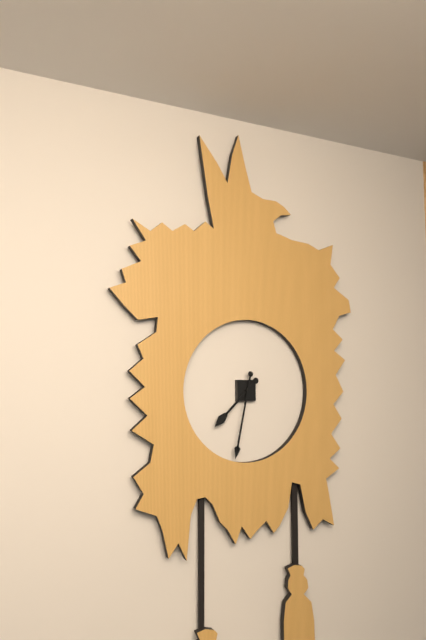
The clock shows 7.32
